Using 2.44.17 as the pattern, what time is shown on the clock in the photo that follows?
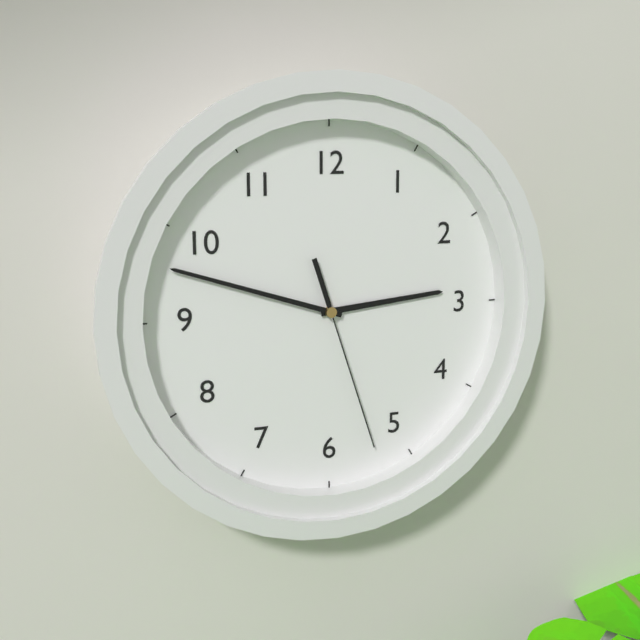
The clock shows 2.48.27
